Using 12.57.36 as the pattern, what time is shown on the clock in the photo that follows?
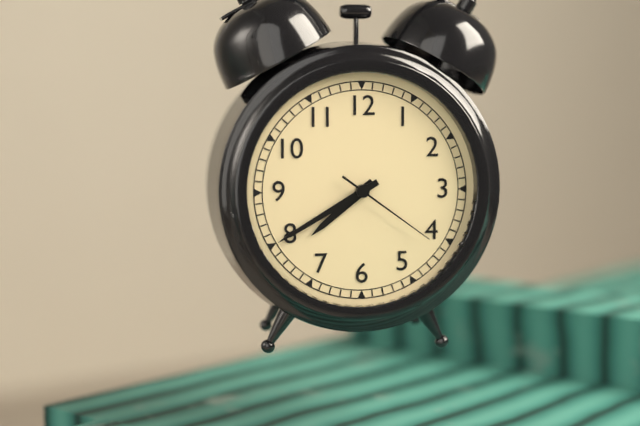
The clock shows 7.40.21
